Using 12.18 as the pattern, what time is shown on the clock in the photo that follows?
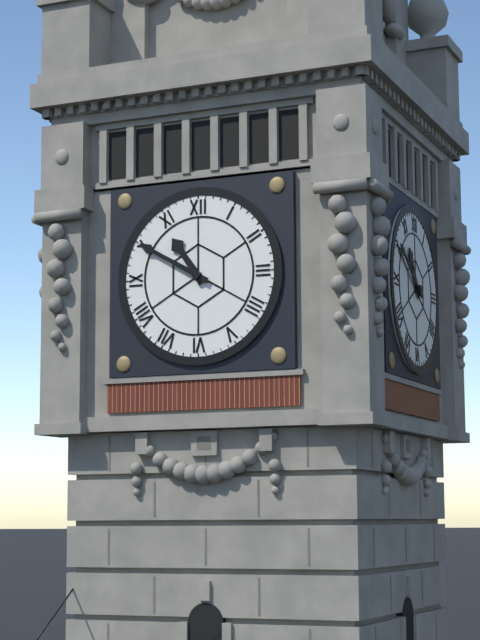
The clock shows 10.50
